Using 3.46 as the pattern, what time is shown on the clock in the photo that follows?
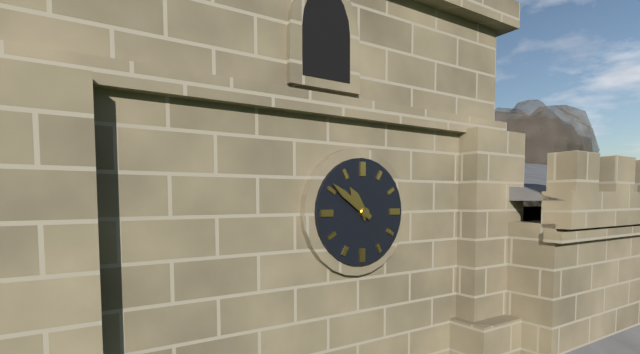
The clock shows 10.51
